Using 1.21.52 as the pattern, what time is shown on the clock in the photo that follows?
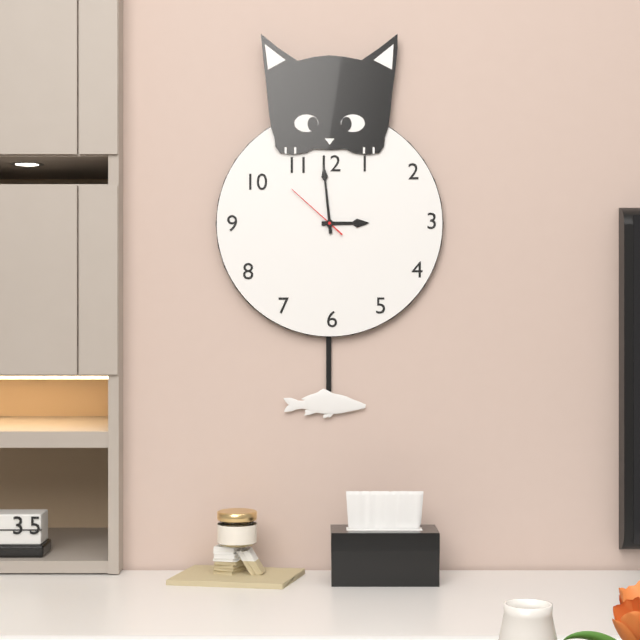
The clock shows 2.59.52
